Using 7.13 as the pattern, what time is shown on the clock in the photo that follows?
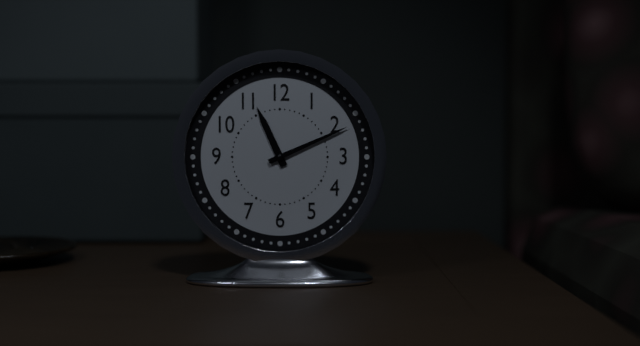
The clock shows 11.11
